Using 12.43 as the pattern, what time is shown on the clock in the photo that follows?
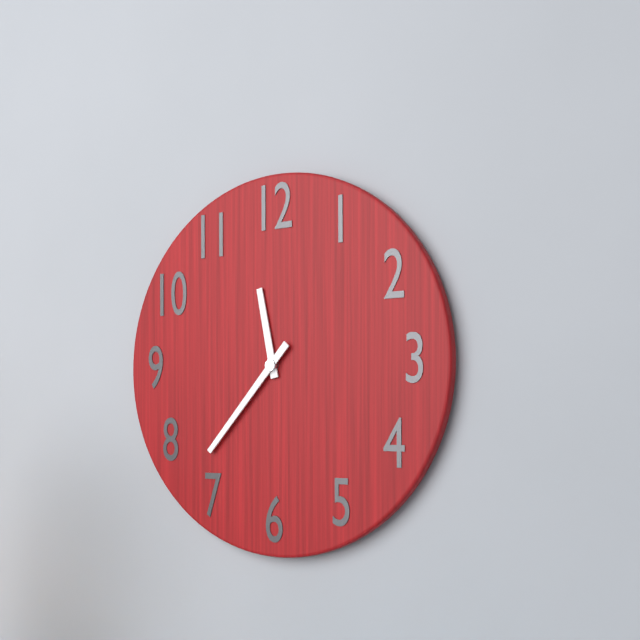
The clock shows 11.37
